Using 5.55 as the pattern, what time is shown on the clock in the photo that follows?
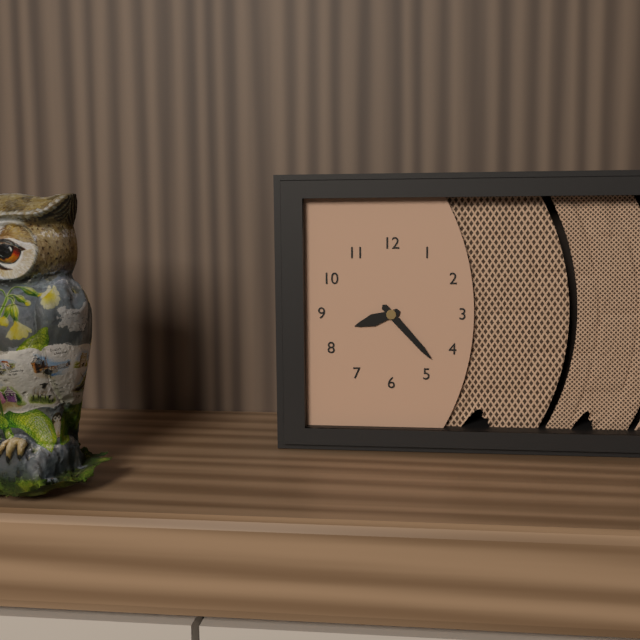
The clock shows 8.23
